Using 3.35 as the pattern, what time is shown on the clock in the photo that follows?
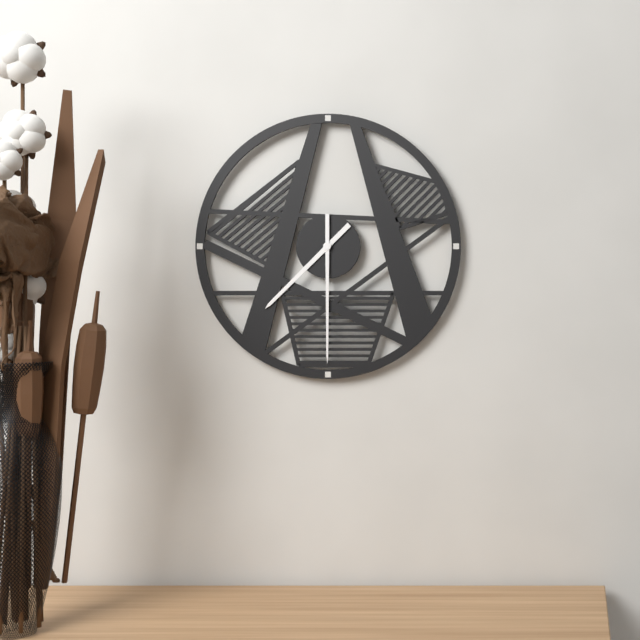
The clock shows 7.30
